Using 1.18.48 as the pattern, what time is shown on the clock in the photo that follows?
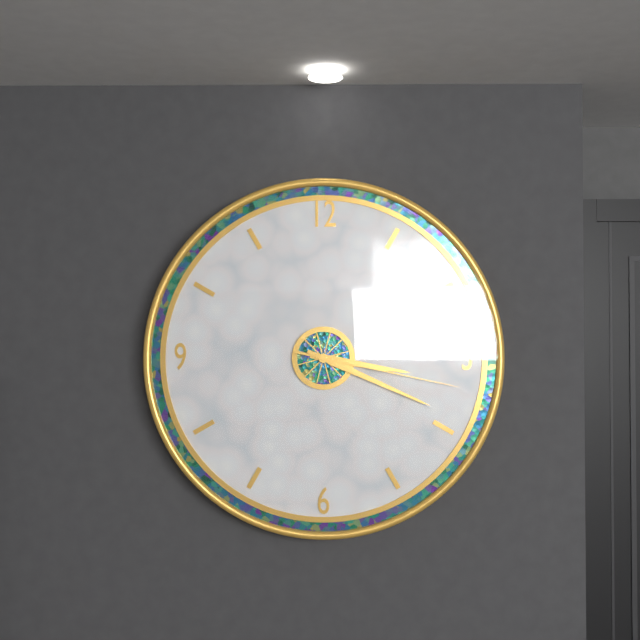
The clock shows 3.19.17
